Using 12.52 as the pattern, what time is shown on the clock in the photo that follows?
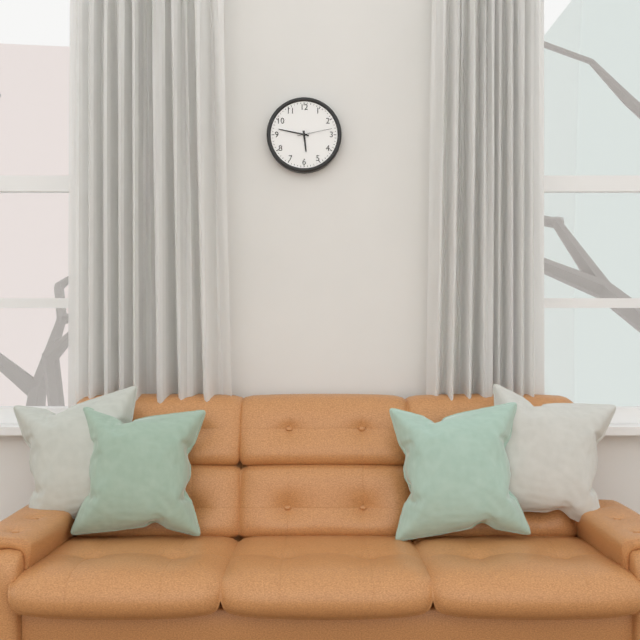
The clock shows 5.47
